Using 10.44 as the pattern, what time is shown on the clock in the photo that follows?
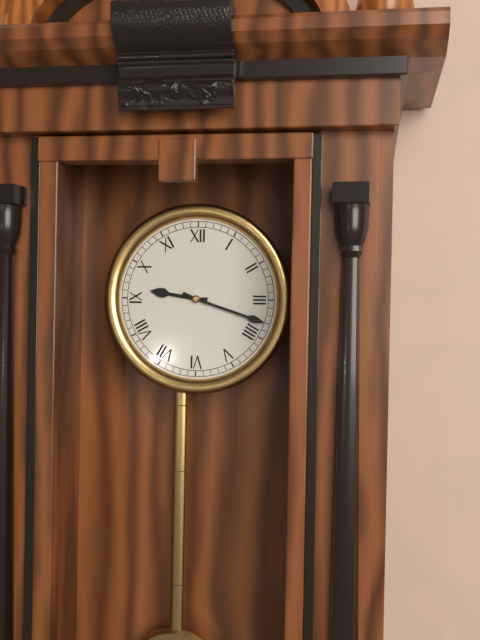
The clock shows 9.18
